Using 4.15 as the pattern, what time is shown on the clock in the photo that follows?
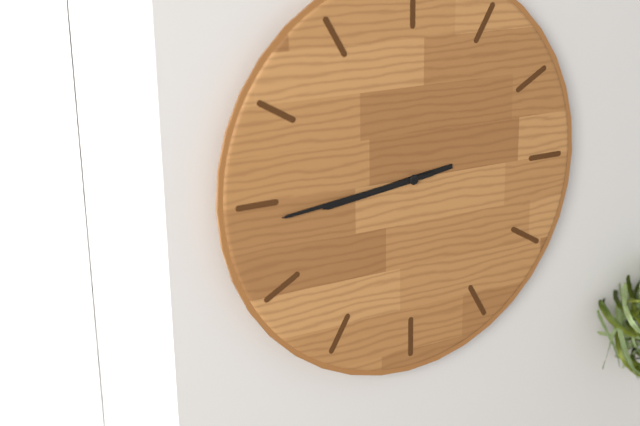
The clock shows 8.44
